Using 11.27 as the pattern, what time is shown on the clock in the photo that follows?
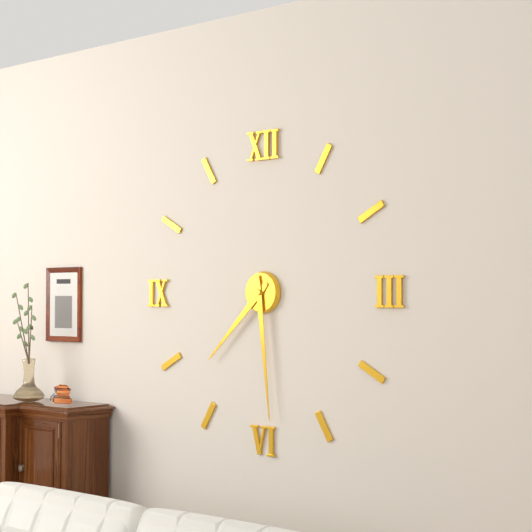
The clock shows 7.29
